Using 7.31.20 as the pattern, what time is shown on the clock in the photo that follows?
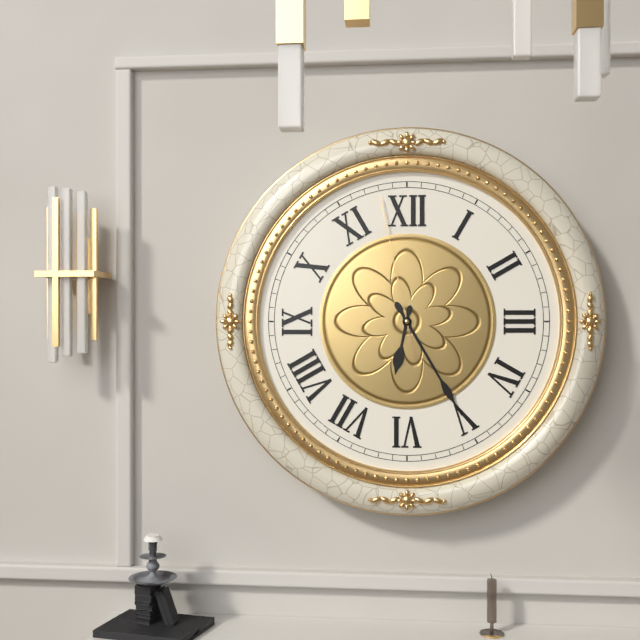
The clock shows 6.25.58
